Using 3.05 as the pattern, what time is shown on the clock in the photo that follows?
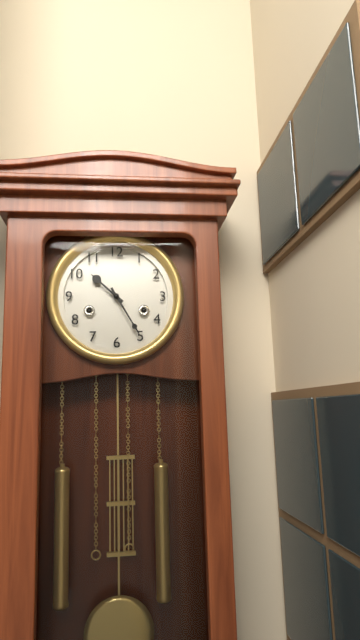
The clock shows 10.25
